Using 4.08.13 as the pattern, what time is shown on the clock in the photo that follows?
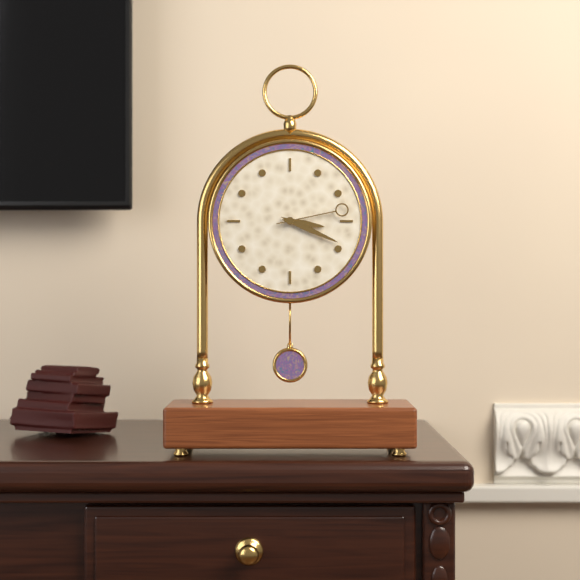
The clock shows 3.19.13
